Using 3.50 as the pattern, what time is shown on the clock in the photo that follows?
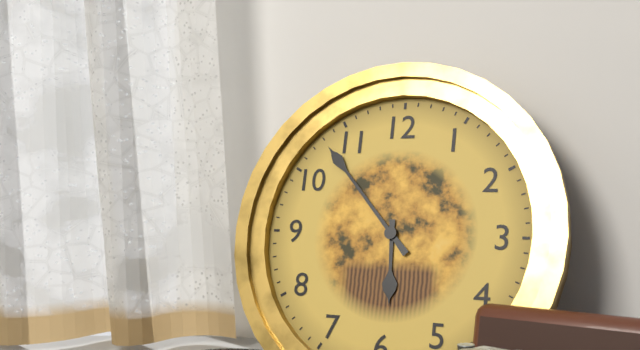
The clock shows 5.53
